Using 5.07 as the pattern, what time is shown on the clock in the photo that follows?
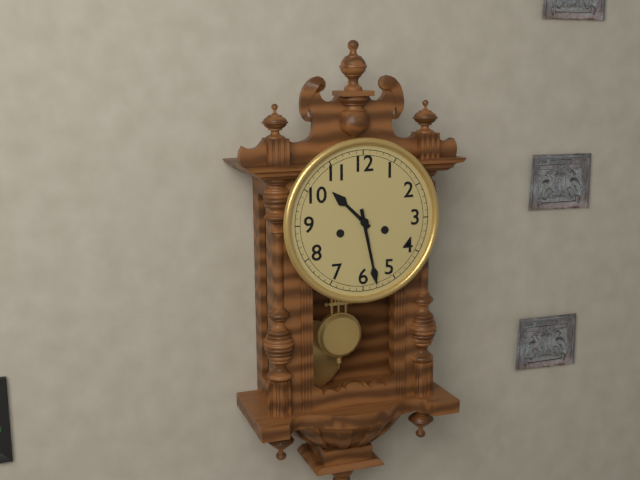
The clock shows 10.28
